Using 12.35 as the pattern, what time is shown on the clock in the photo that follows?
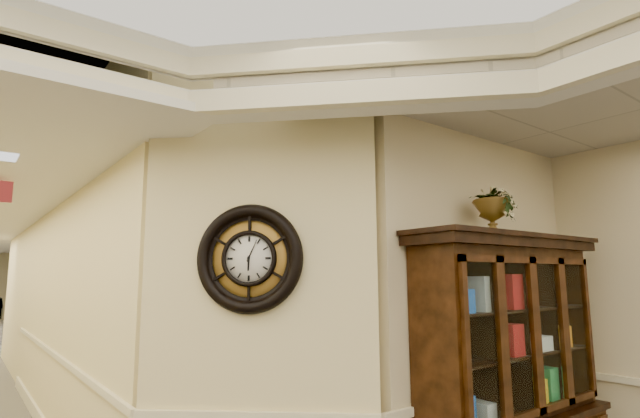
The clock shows 6.04
